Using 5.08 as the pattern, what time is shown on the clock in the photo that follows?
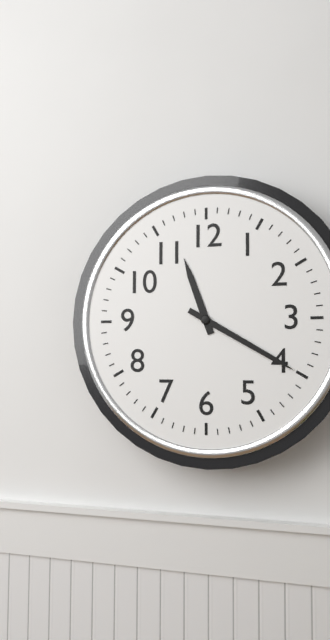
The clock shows 11.20
